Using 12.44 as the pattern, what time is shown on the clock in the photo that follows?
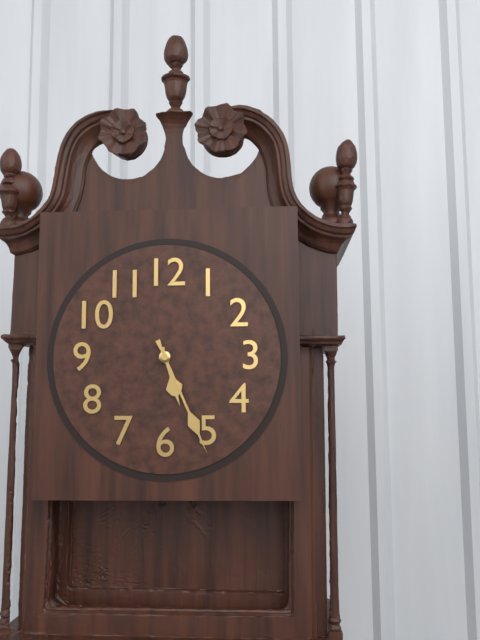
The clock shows 5.26
